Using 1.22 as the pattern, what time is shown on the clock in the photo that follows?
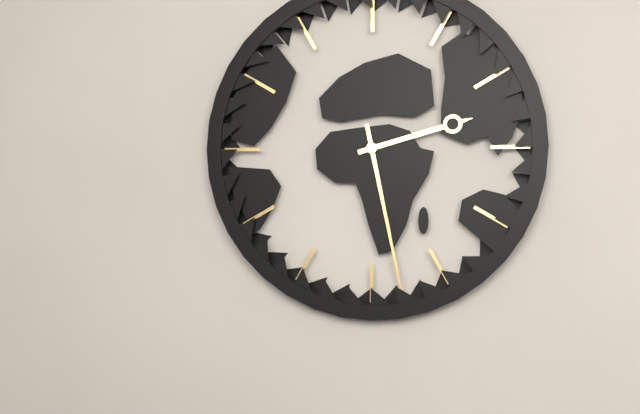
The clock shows 2.28
